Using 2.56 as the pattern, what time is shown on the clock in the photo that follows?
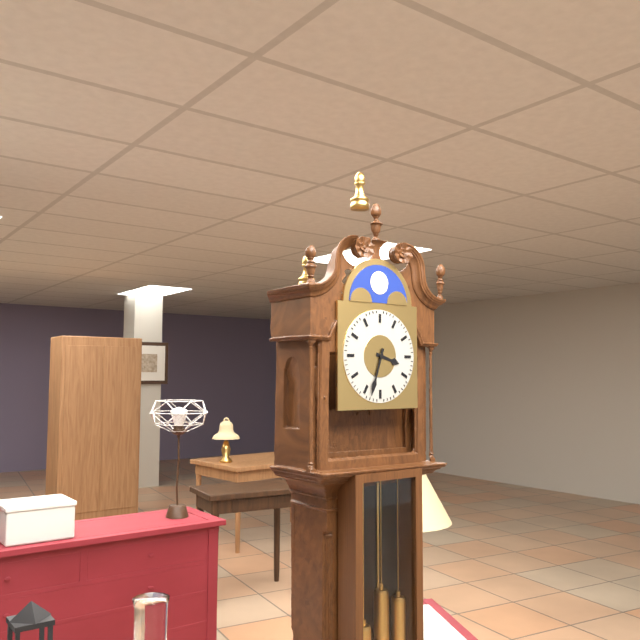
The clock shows 3.33
